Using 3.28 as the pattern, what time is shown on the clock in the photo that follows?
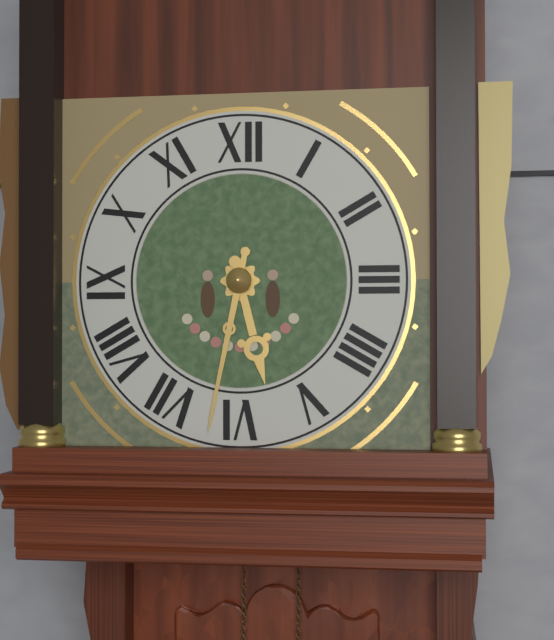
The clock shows 5.32
